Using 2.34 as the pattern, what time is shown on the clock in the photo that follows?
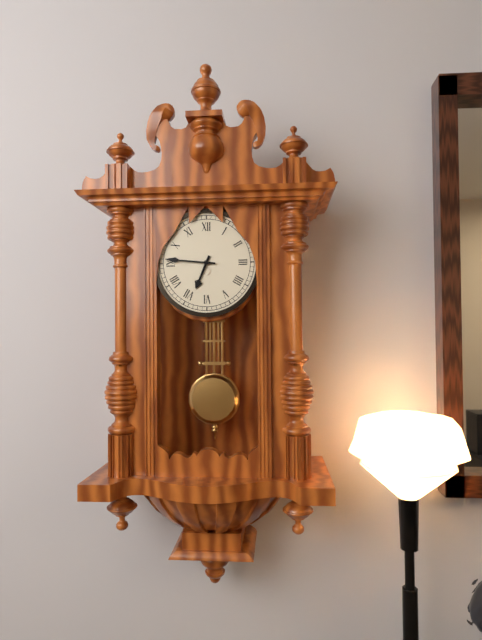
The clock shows 6.46
